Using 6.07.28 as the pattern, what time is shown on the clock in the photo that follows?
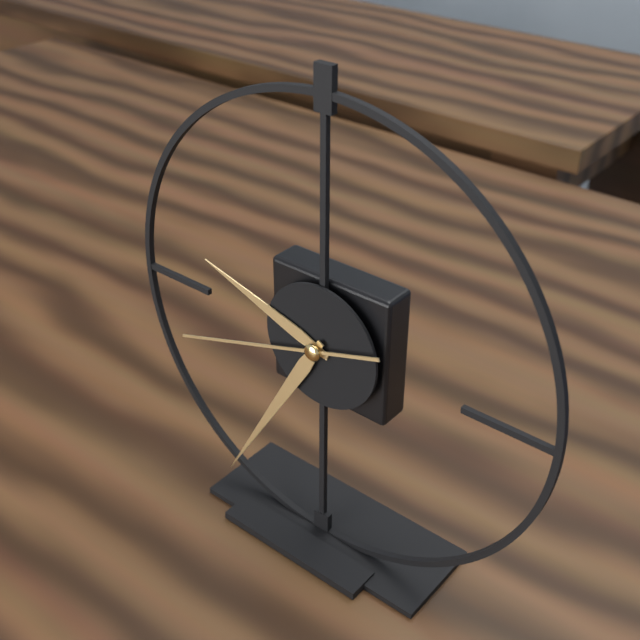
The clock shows 9.35.42
